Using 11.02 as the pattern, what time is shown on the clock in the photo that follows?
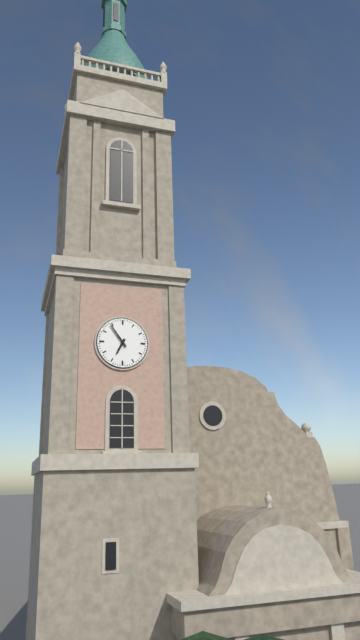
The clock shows 6.54
